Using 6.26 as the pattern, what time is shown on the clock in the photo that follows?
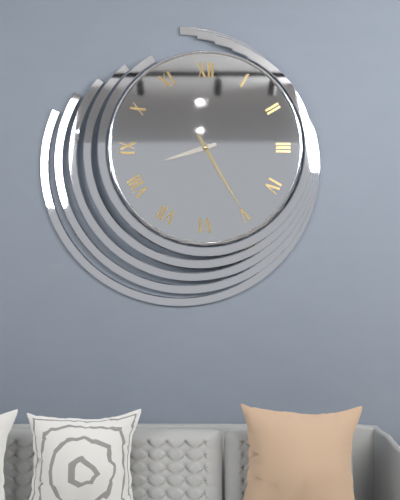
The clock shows 8.25
